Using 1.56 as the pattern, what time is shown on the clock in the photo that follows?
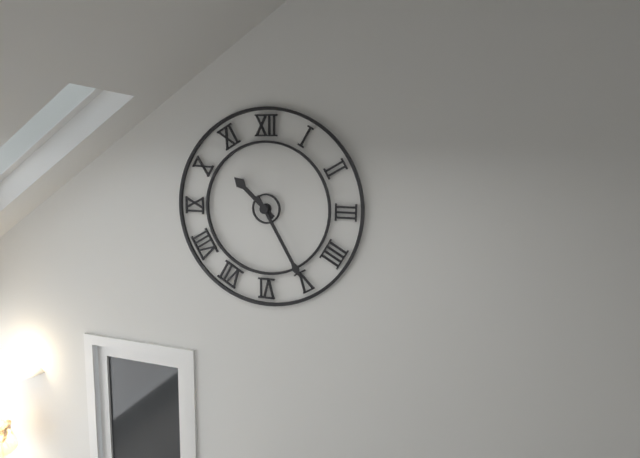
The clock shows 10.25
